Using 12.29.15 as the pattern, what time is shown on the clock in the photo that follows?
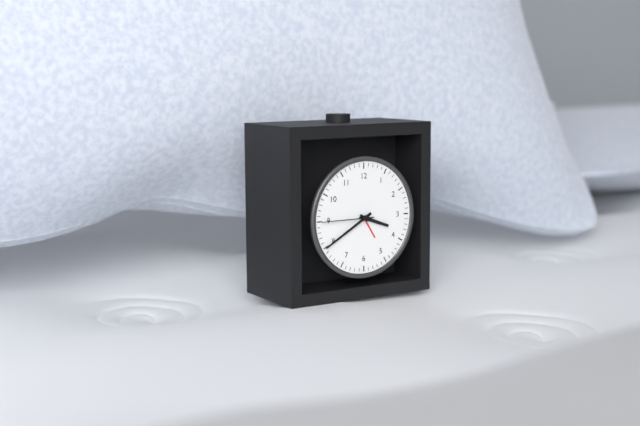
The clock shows 3.40.45
